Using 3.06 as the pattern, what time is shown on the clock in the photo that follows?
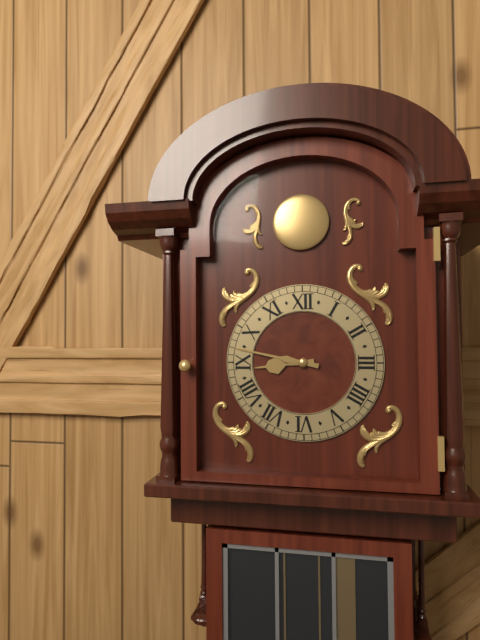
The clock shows 8.47
